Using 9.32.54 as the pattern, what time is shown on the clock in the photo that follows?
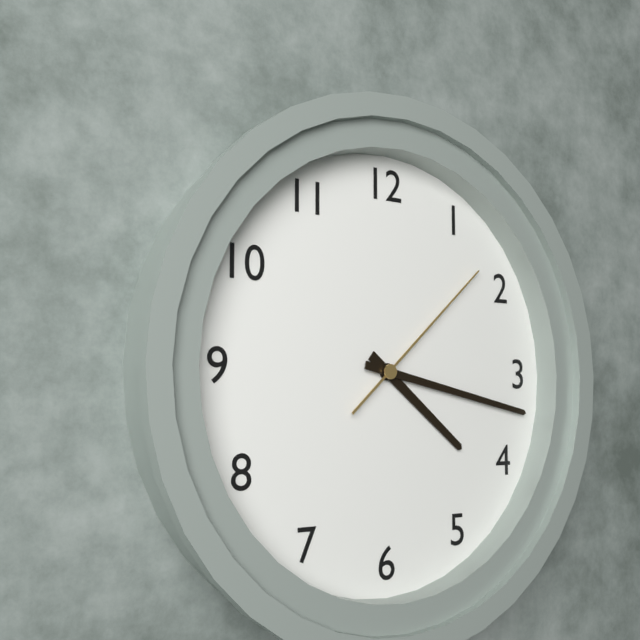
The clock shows 4.17.08
